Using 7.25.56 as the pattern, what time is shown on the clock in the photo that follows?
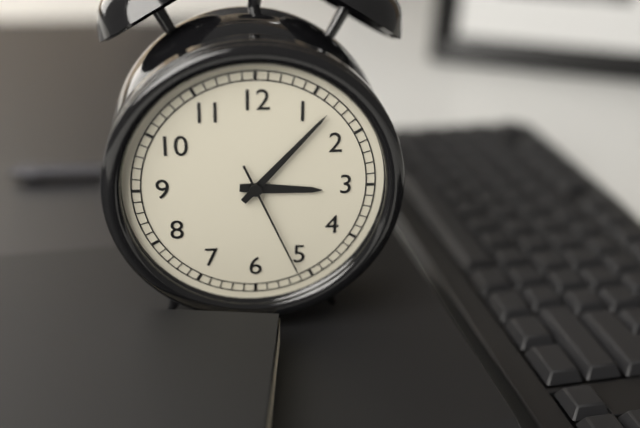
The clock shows 3.07.26
